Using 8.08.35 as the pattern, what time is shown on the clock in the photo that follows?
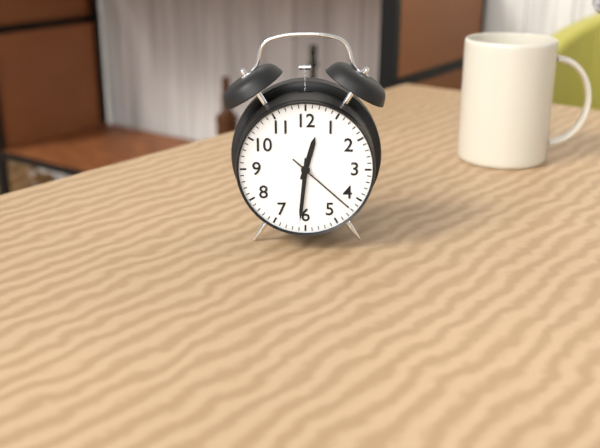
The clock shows 12.31.22
